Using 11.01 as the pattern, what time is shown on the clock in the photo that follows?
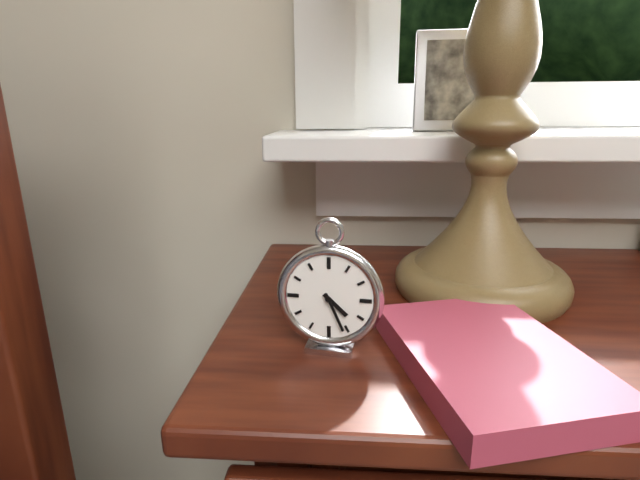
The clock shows 4.26
